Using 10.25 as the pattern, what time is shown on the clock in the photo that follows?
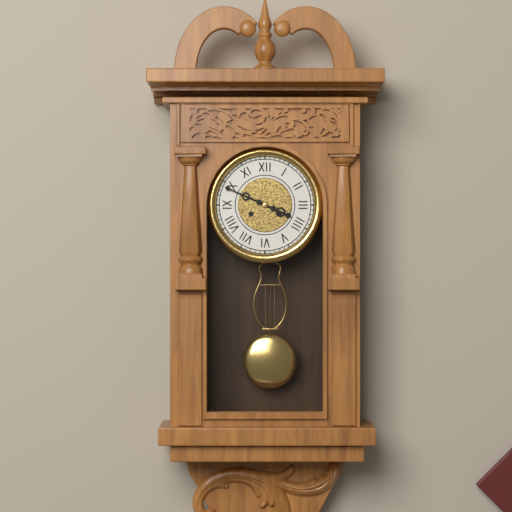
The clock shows 3.49
